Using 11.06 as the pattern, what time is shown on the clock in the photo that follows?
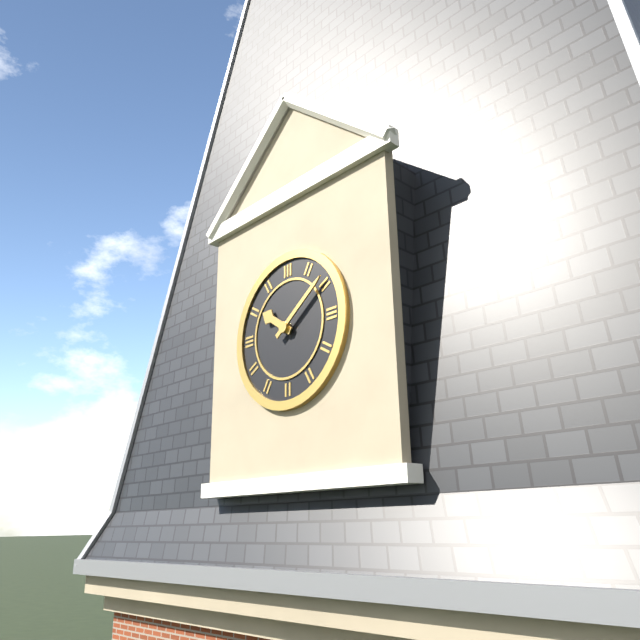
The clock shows 10.09
